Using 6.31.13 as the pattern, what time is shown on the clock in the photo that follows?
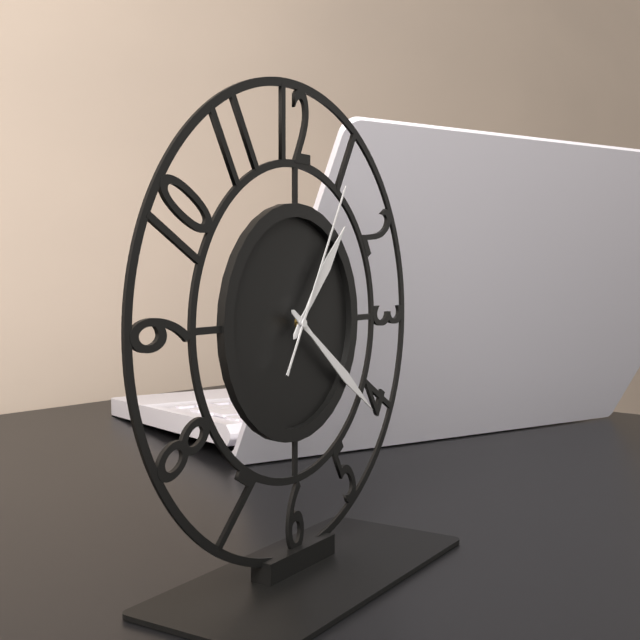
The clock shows 1.21.05
